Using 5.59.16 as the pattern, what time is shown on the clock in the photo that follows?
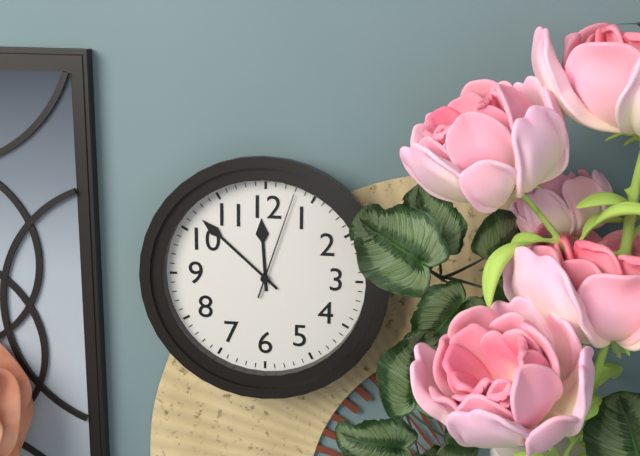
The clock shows 11.52.03
